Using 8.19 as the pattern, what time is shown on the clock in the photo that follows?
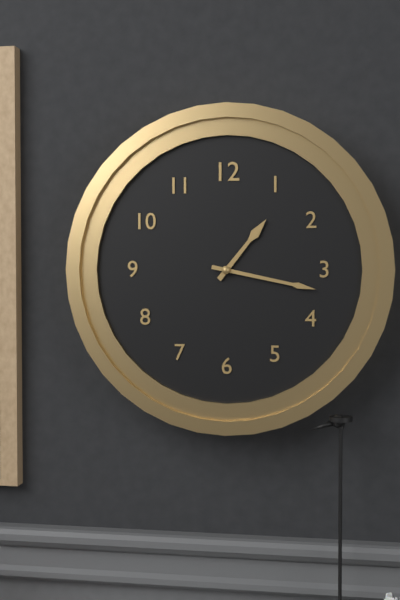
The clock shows 1.17
